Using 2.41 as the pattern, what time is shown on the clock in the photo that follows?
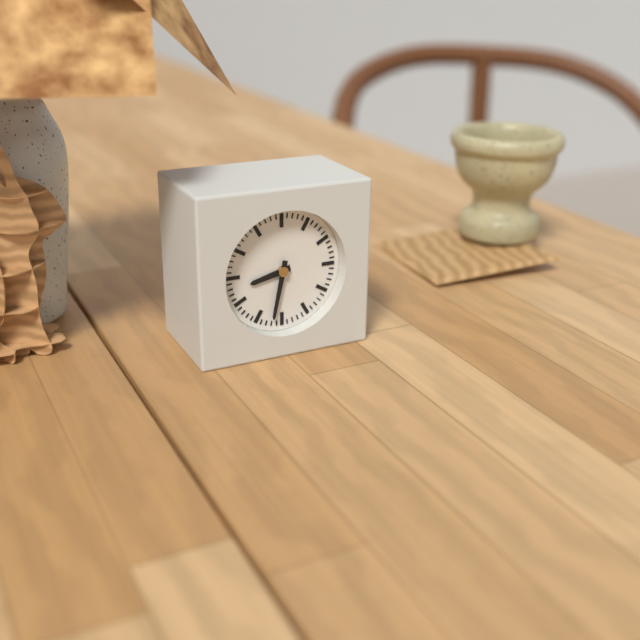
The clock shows 8.32
